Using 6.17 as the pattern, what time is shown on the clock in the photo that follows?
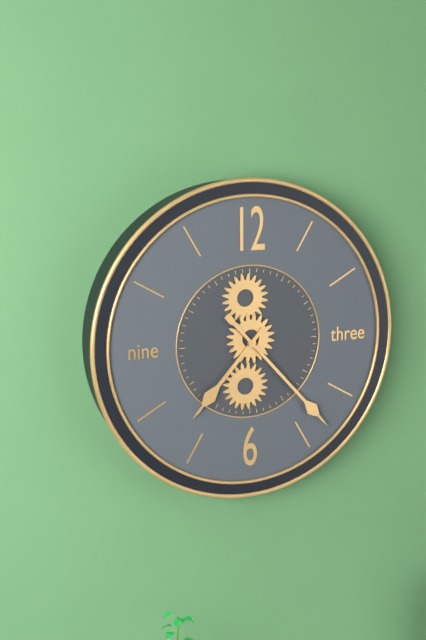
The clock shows 7.23
